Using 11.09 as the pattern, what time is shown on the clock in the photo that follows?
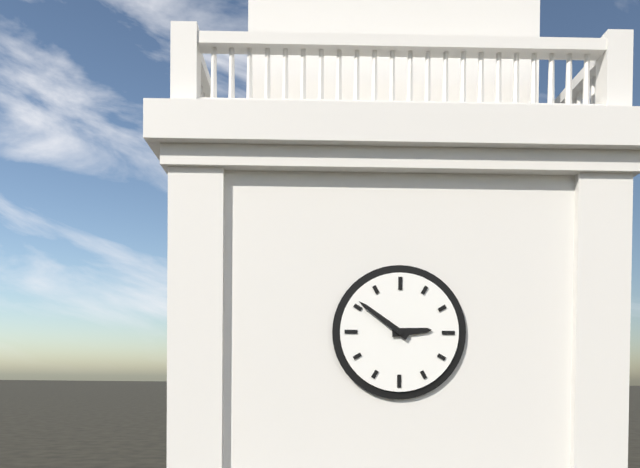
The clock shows 2.51
